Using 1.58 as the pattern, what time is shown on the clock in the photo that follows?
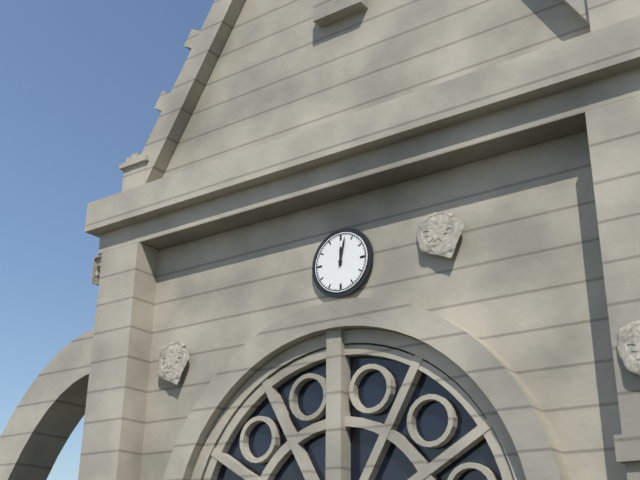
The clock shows 12.02
